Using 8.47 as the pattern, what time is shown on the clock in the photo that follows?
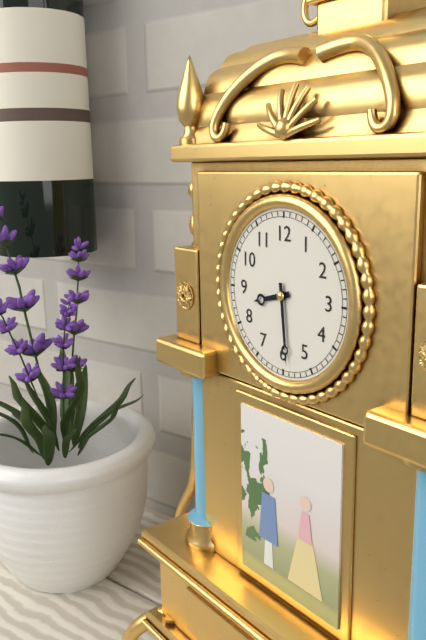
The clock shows 8.29
